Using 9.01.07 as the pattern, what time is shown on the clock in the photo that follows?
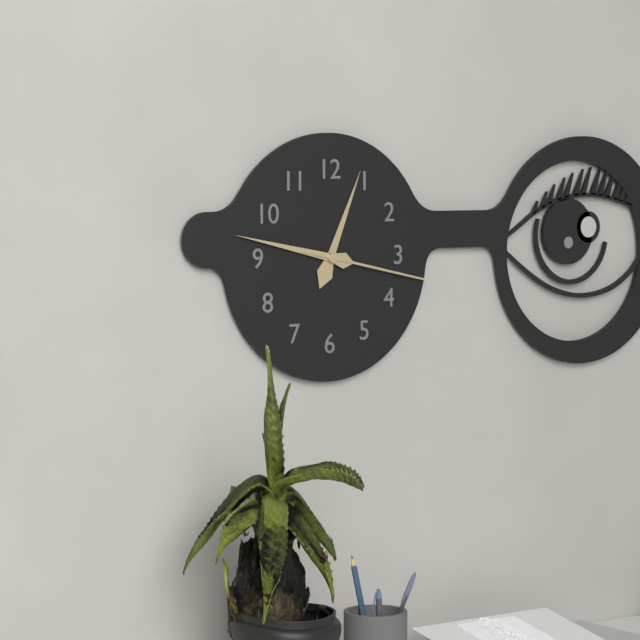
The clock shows 12.47.17
